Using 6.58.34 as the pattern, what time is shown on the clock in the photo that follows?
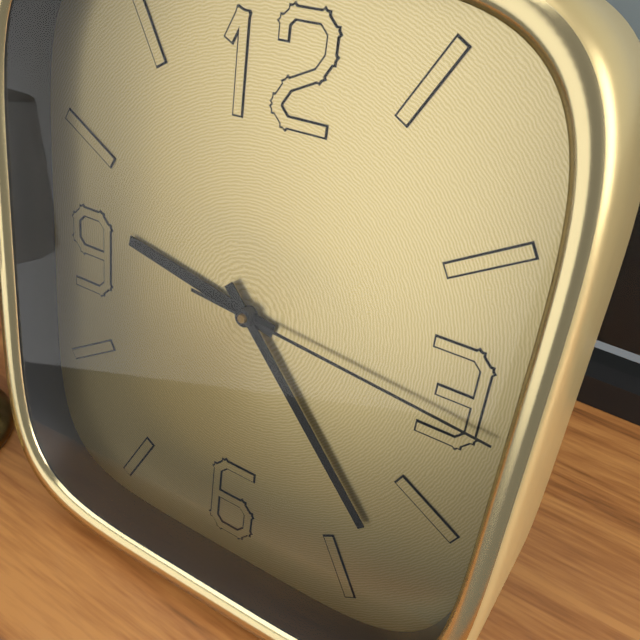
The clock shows 9.23.16
